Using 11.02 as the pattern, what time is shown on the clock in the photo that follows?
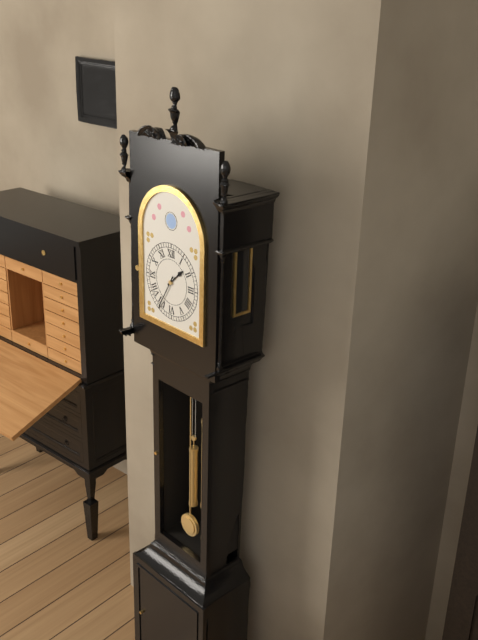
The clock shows 1.35
